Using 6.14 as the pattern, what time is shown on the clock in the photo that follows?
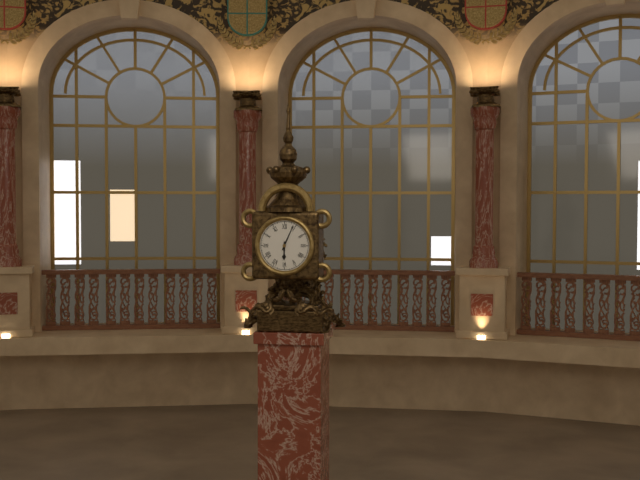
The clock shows 6.04
